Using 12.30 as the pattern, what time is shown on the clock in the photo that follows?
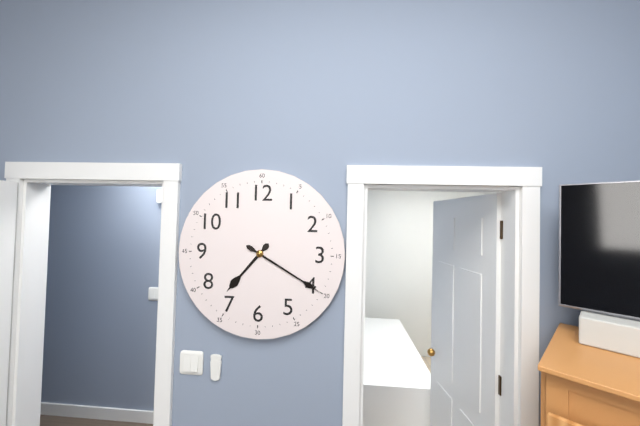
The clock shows 7.20
